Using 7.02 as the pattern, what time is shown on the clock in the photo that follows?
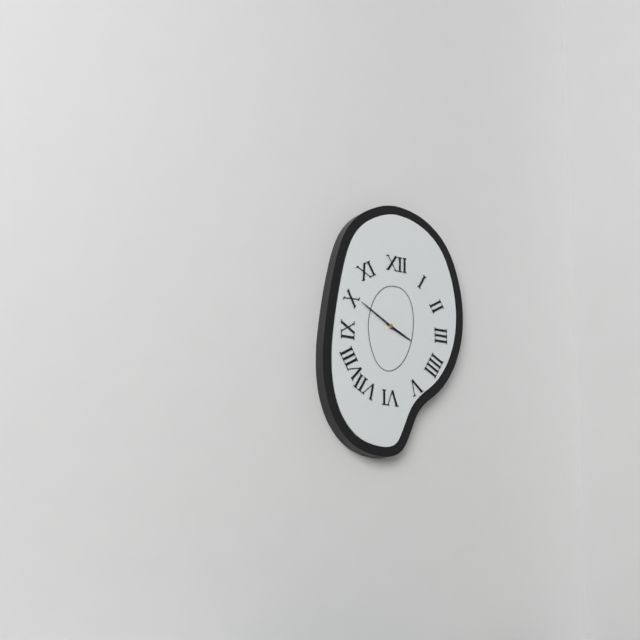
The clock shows 3.50
